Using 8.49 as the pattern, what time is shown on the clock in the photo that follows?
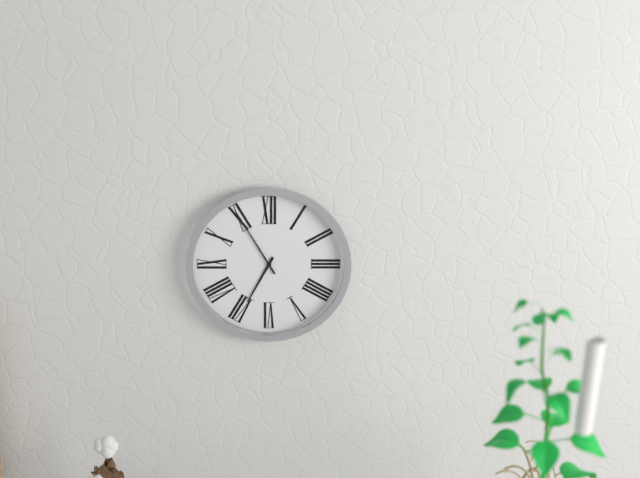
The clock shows 6.55
